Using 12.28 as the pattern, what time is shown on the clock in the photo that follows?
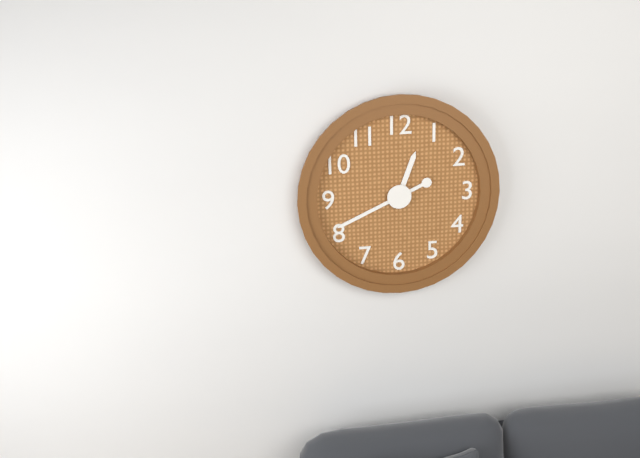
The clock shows 12.41
